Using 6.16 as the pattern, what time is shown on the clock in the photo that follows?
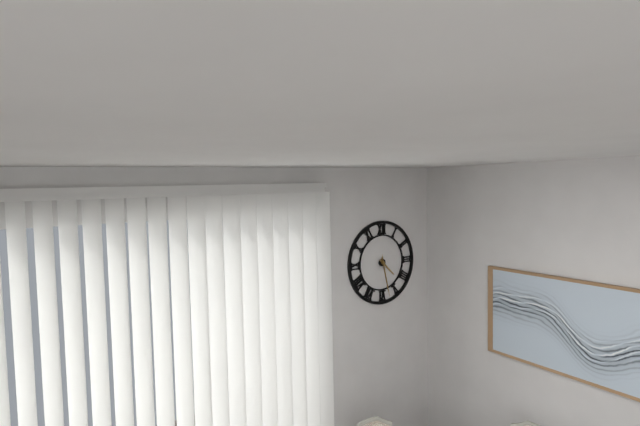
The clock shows 4.28
